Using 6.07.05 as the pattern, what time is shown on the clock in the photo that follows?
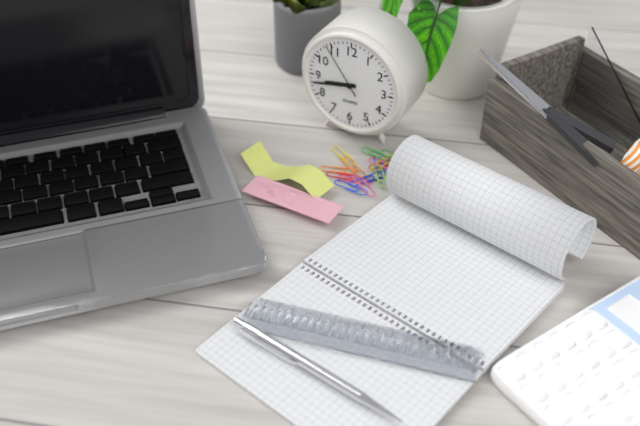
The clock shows 8.43.54
